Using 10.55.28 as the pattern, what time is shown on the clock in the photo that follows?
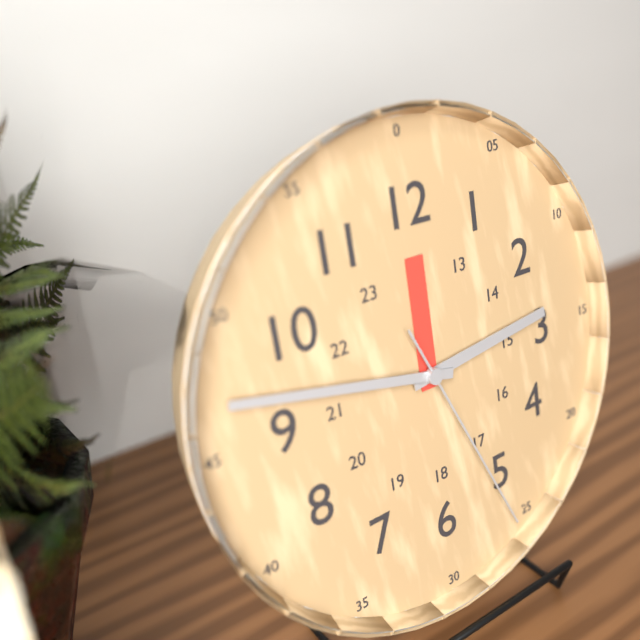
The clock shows 2.47.26
